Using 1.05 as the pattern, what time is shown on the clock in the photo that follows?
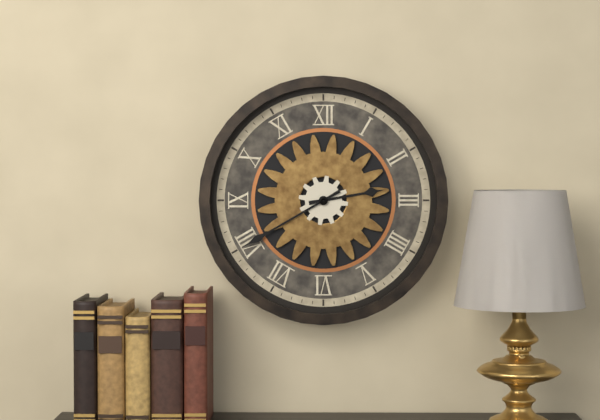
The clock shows 2.40
